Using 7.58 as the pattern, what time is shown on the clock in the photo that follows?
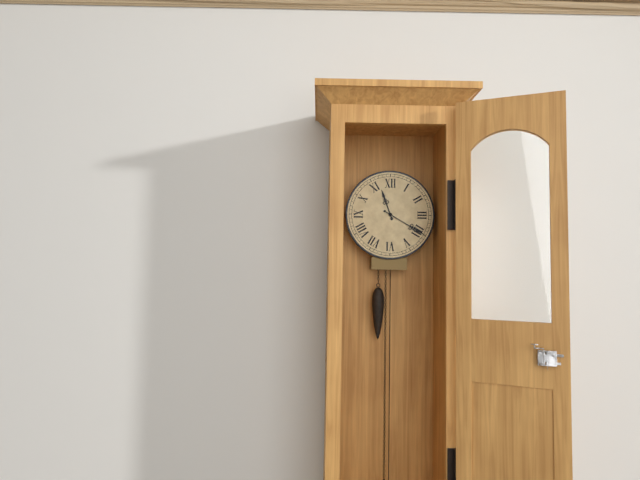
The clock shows 11.20
